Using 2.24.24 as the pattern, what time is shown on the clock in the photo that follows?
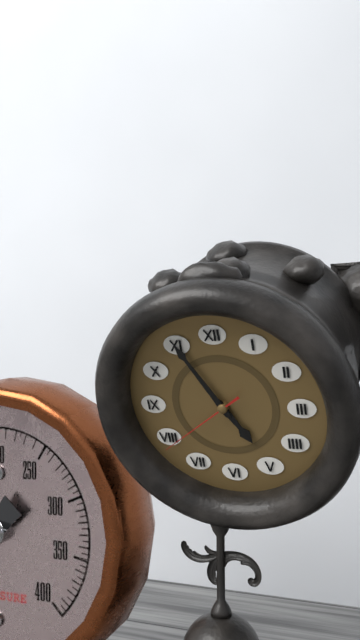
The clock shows 4.55.39
